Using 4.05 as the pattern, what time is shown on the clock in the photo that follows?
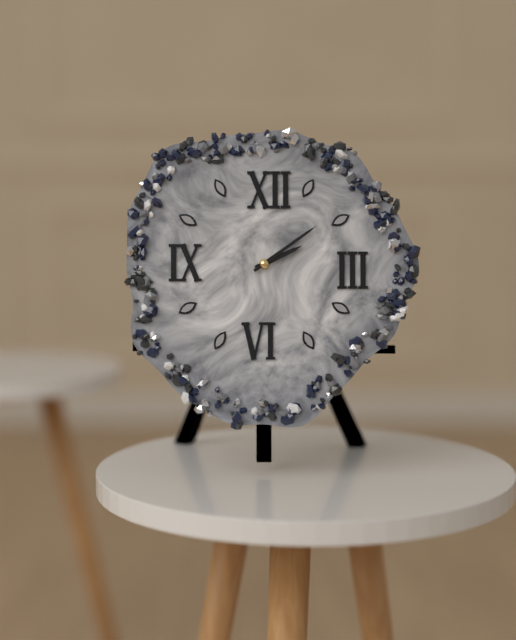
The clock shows 2.09
